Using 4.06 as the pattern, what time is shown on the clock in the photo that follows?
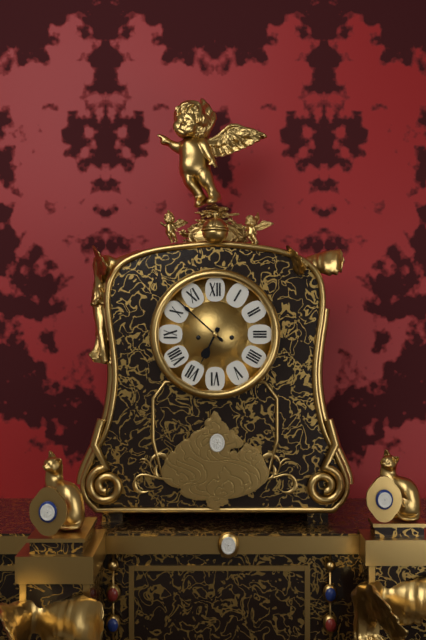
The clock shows 6.52
